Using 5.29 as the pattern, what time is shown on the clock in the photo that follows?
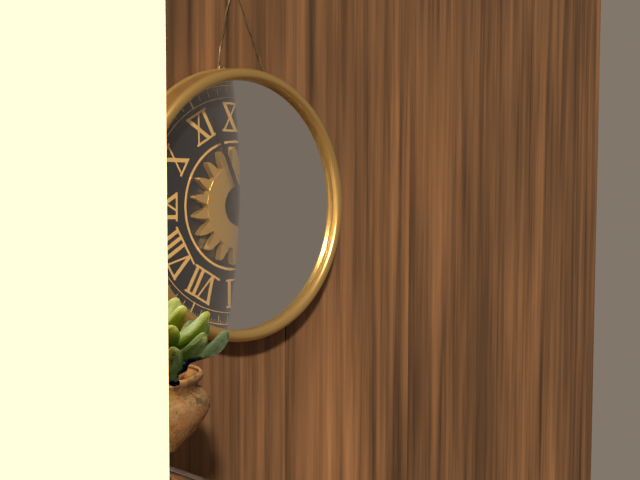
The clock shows 2.56
